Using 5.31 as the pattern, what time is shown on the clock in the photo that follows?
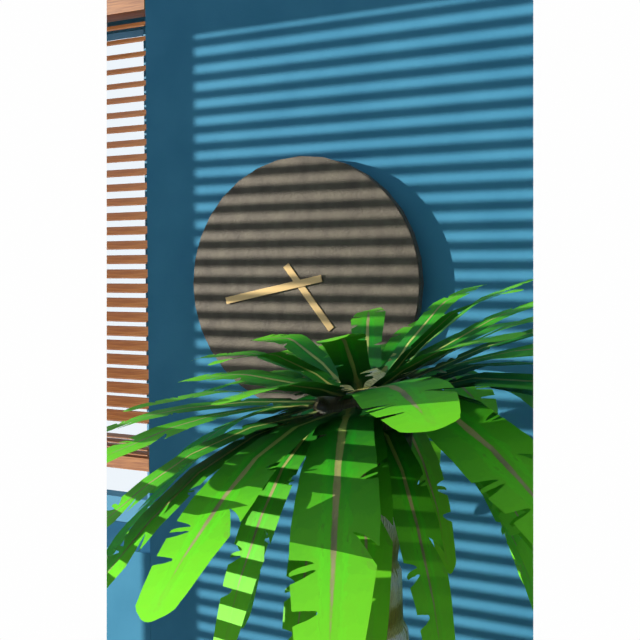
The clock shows 4.43
